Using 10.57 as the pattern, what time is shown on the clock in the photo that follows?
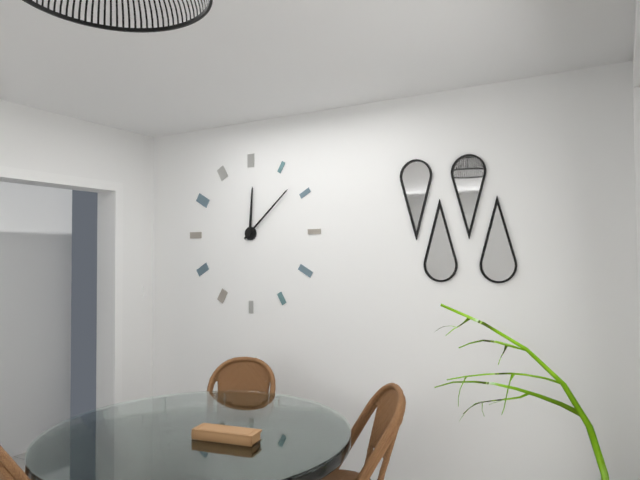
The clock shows 12.08
